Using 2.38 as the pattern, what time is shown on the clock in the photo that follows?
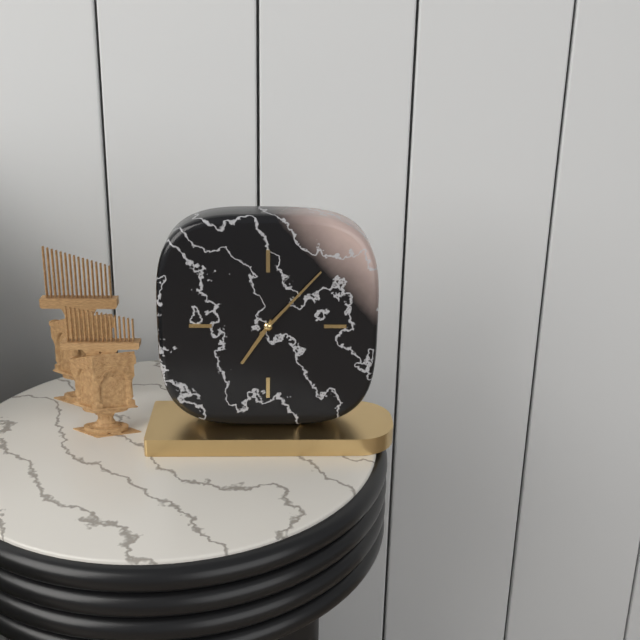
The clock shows 7.07
